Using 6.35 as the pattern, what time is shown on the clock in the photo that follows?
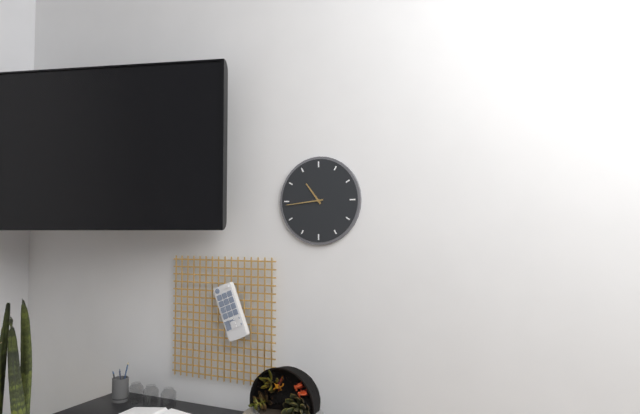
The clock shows 10.44
